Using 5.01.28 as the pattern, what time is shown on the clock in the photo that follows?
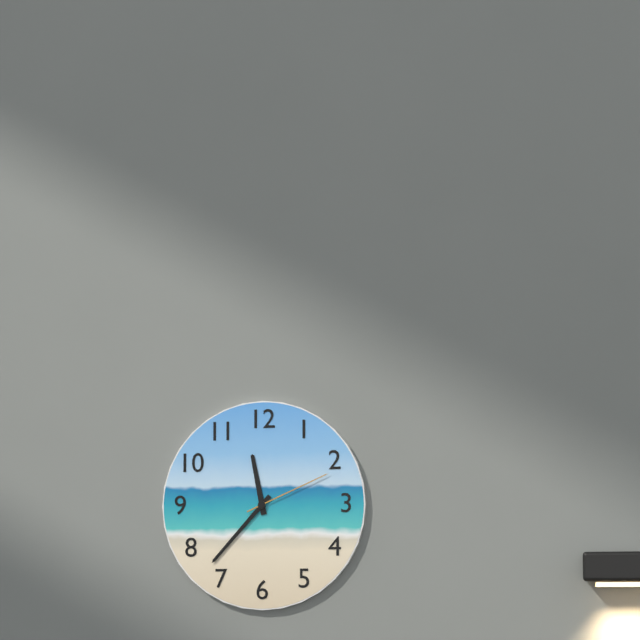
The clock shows 11.37.11
